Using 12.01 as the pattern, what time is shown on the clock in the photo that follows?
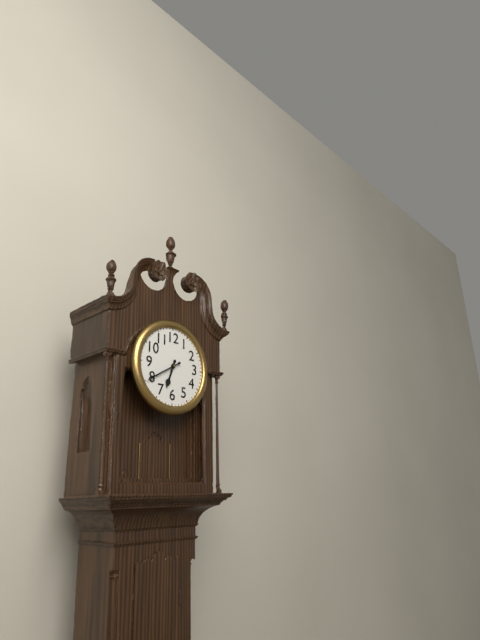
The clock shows 6.40
